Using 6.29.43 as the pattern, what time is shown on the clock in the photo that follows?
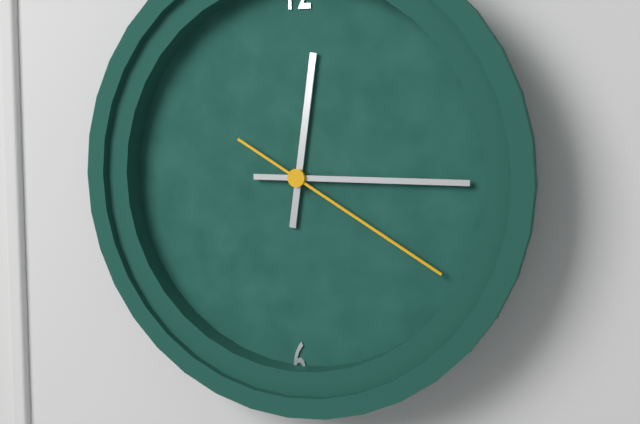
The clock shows 12.15.20
